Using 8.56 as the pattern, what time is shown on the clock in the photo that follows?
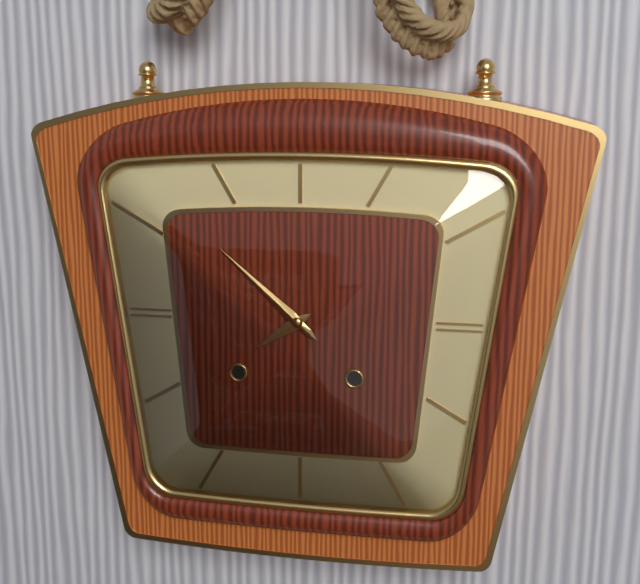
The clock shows 7.52
